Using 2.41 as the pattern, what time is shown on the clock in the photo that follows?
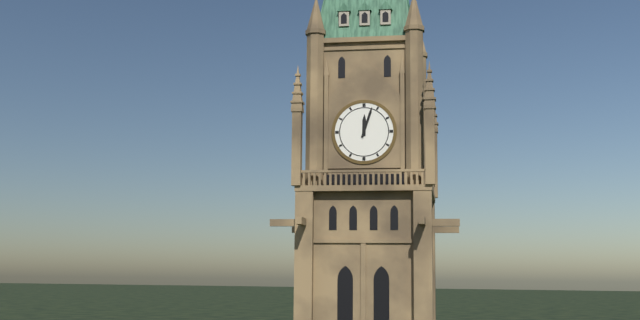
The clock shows 12.03
